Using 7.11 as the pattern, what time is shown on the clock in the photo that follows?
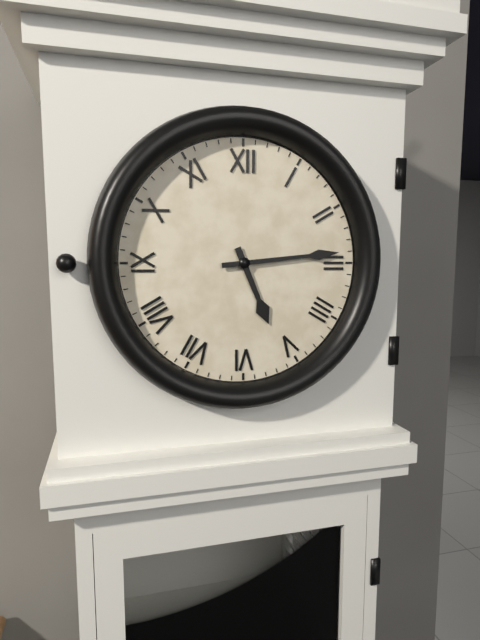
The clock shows 5.14
